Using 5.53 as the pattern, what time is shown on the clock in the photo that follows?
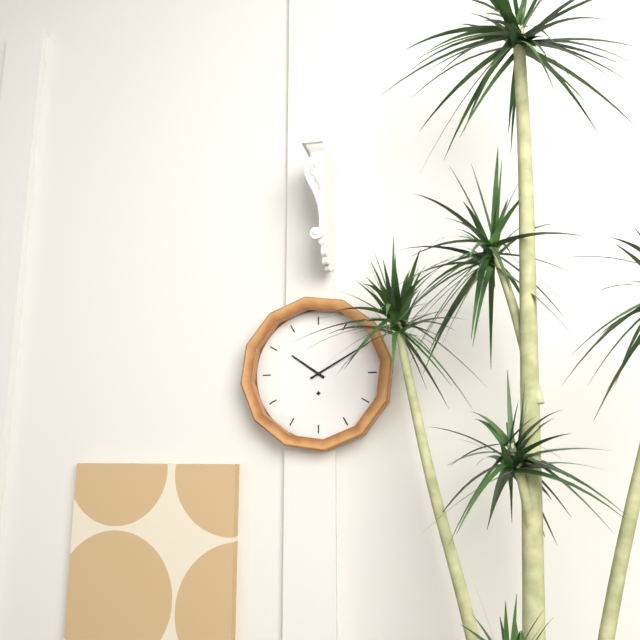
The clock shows 10.10
